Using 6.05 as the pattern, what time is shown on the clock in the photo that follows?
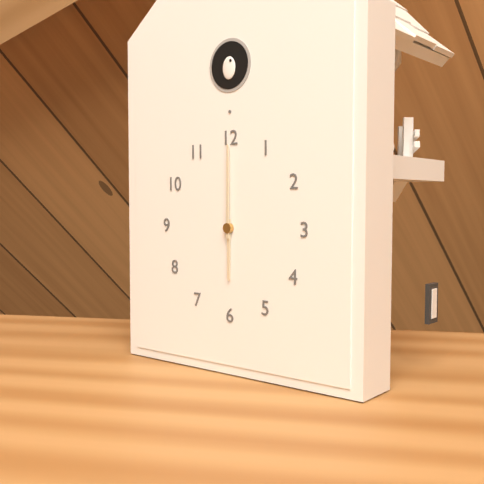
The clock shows 6.00
